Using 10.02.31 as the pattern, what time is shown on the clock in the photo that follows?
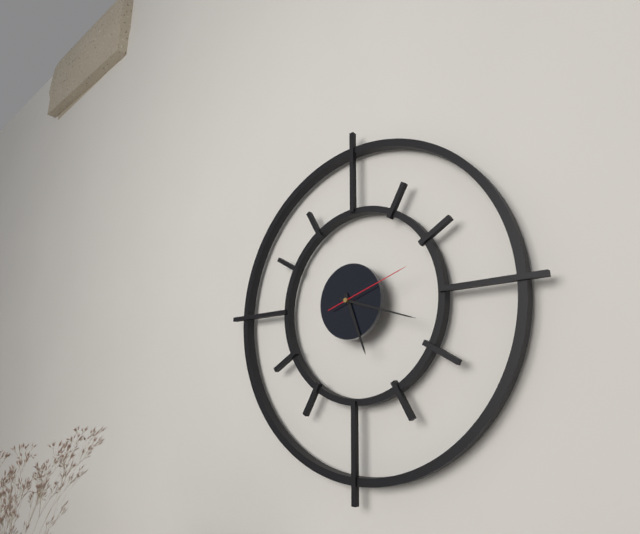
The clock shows 5.18.12
